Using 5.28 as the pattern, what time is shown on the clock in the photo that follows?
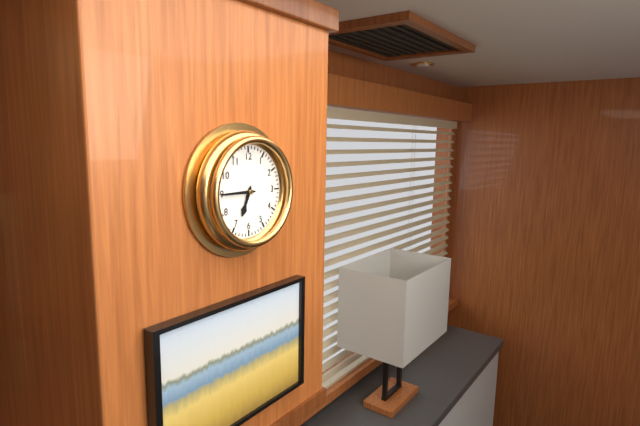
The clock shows 6.45
